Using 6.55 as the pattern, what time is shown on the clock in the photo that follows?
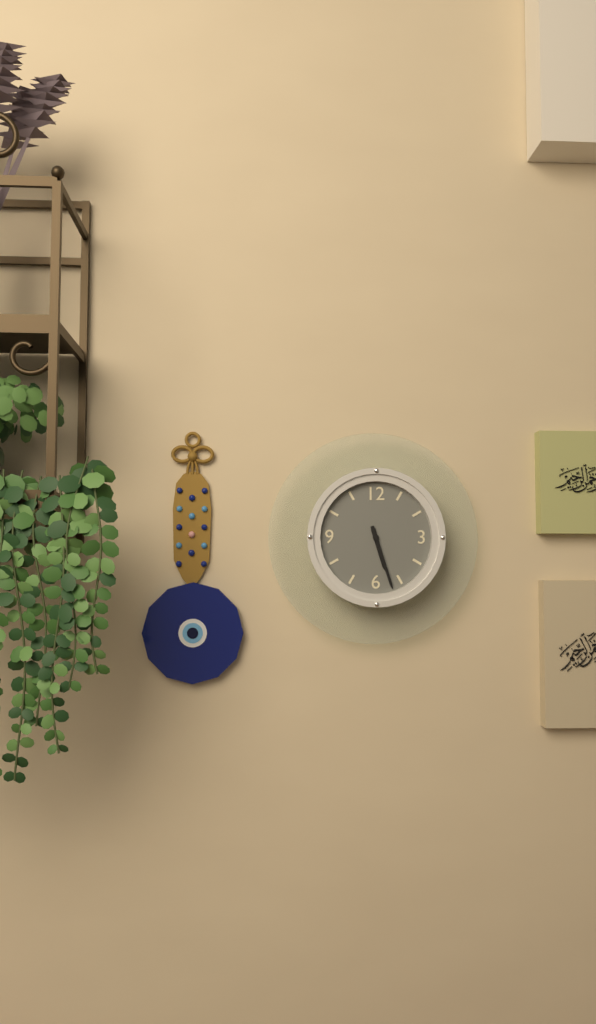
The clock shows 5.27
